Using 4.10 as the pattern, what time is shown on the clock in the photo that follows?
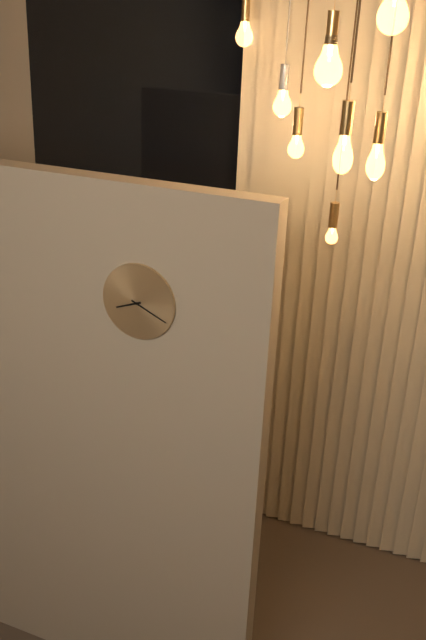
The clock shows 8.19
